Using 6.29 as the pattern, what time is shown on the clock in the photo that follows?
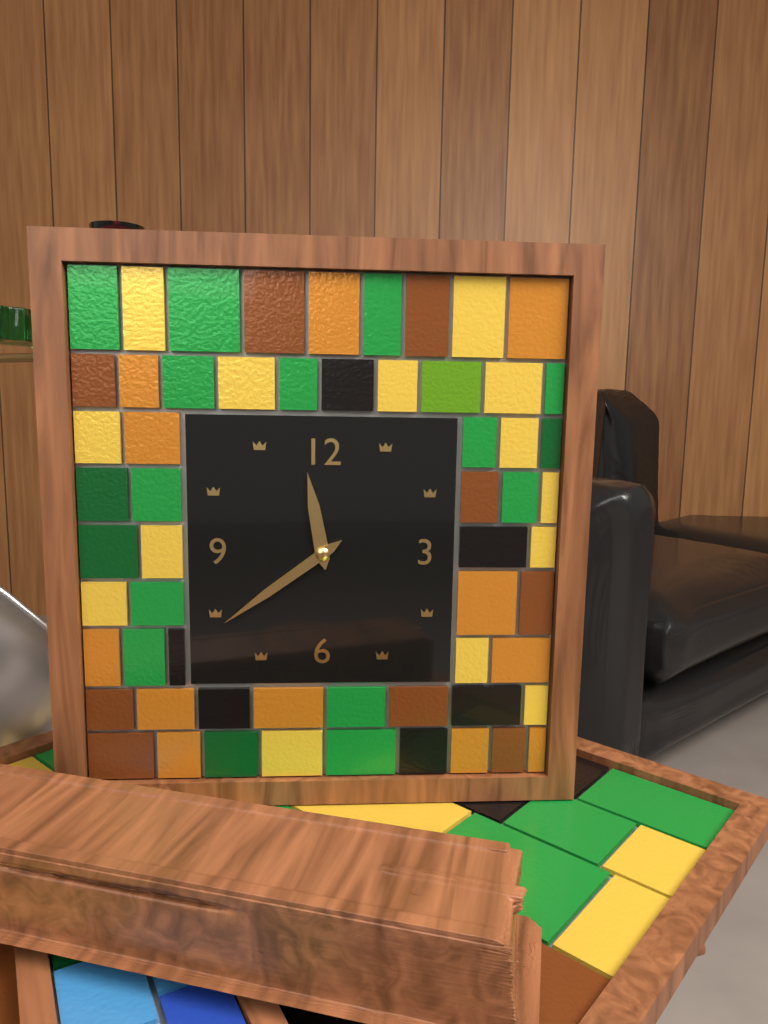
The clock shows 11.39
